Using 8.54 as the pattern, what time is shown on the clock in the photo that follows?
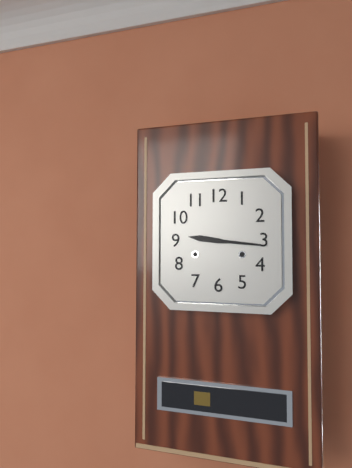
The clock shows 9.16
